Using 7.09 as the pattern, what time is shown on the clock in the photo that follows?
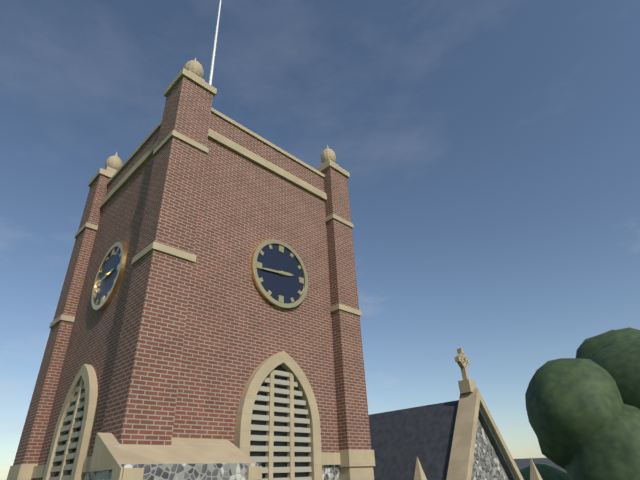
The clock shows 2.44
